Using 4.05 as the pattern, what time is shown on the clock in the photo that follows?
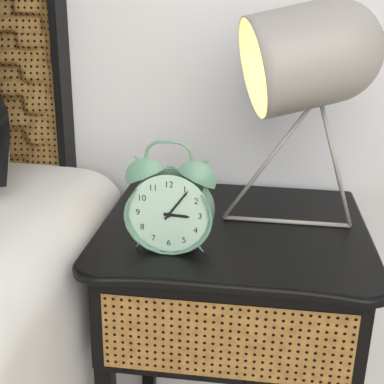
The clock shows 3.06
